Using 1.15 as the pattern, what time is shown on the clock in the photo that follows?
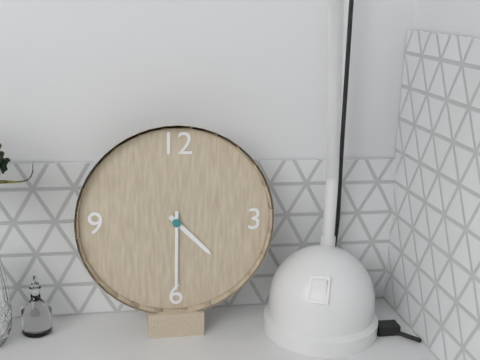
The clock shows 4.30
